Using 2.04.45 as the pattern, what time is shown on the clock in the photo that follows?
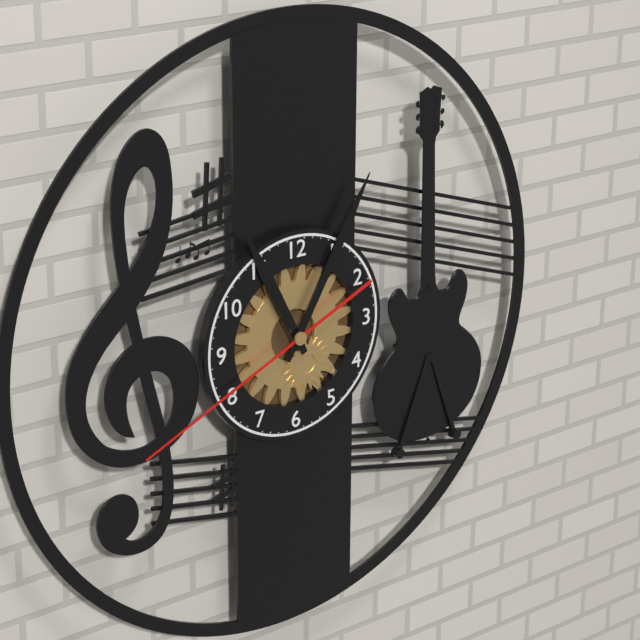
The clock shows 11.05.41
